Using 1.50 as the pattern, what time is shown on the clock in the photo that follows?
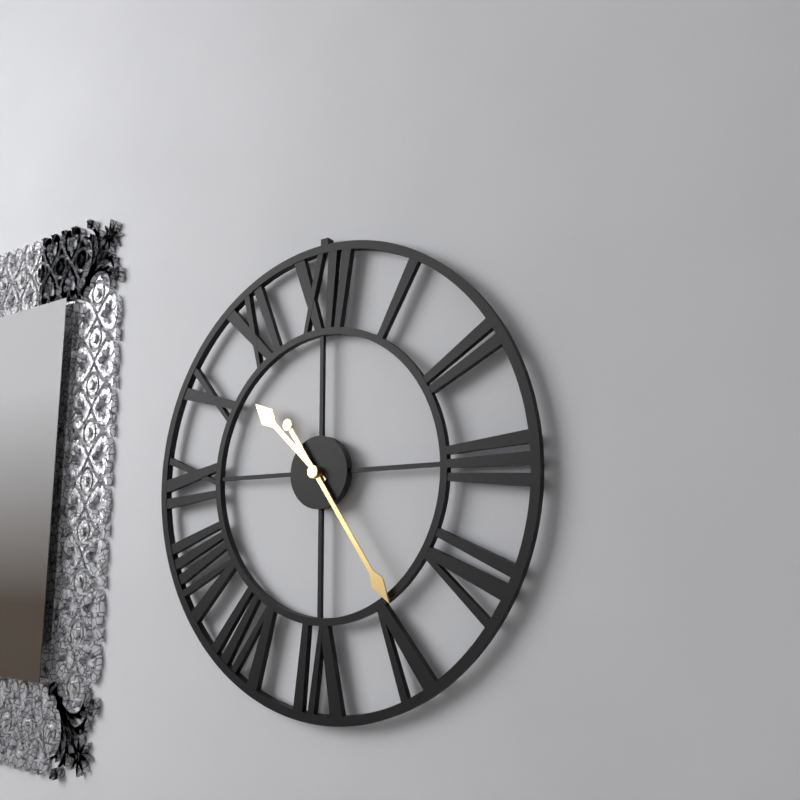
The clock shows 10.24
